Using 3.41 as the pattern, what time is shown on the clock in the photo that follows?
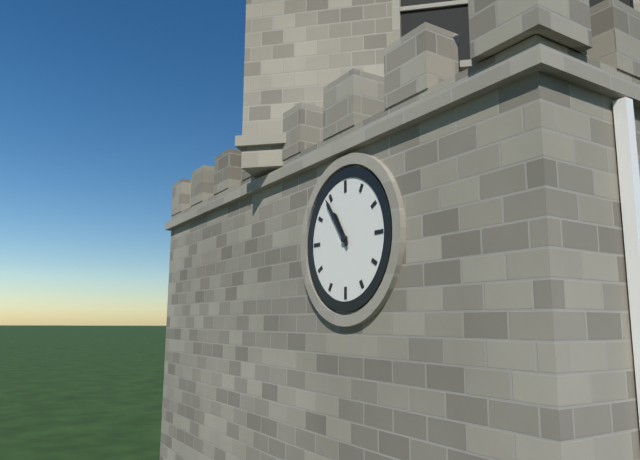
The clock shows 10.54
